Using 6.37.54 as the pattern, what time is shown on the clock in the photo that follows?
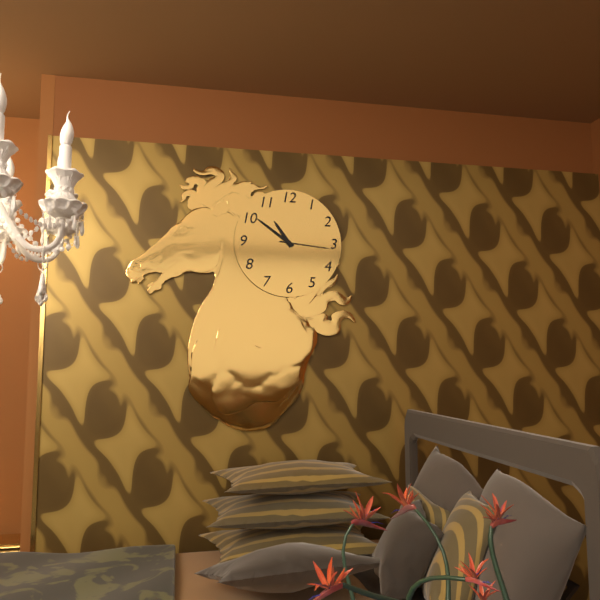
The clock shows 10.51.16
